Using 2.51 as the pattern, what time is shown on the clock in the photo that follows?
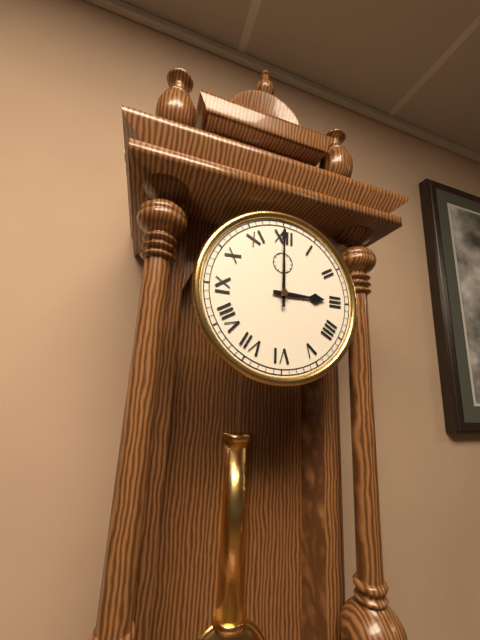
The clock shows 3.00
